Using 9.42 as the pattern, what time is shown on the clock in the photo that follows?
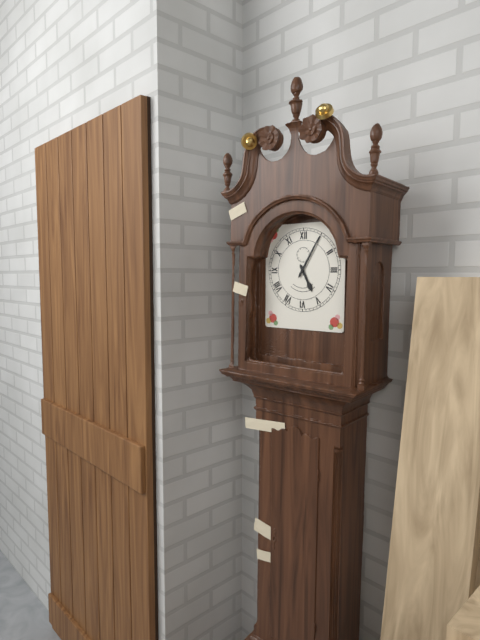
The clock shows 5.05
